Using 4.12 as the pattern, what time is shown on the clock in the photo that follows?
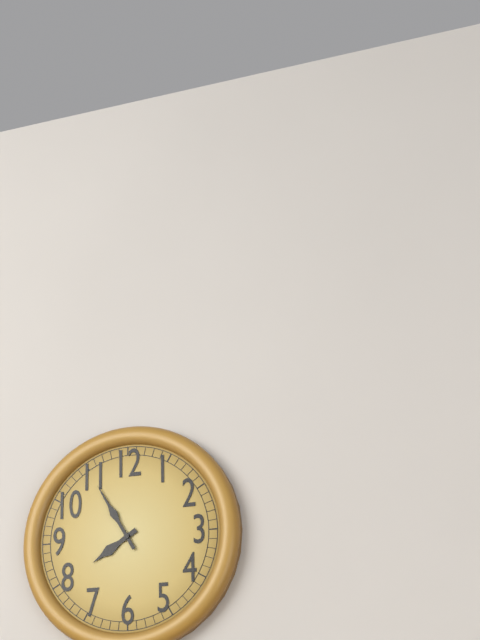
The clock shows 7.55
